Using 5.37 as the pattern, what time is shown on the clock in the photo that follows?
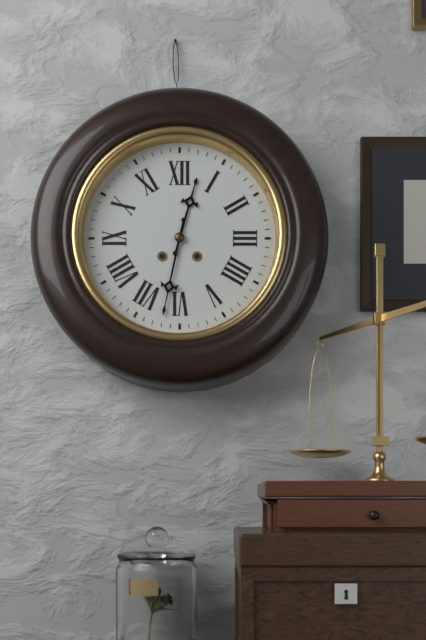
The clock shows 12.32
